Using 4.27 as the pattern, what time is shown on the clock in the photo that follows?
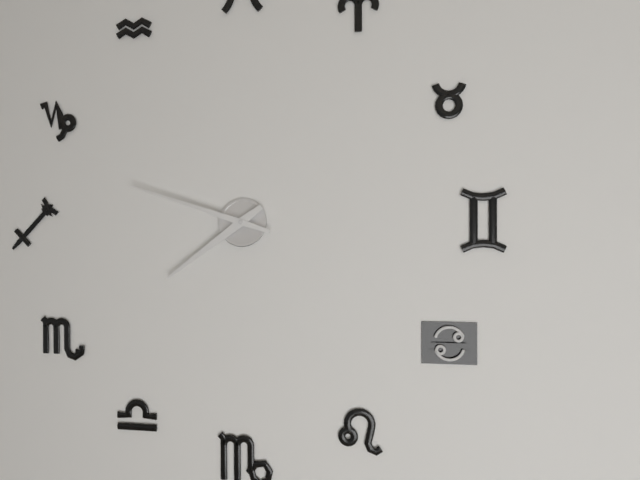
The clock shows 7.48
